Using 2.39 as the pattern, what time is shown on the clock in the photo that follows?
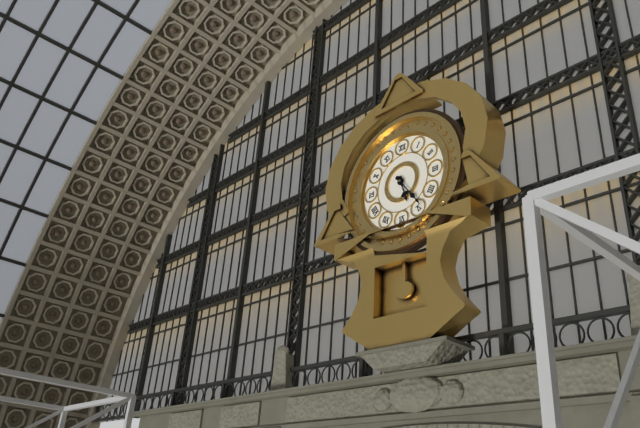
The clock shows 5.24
